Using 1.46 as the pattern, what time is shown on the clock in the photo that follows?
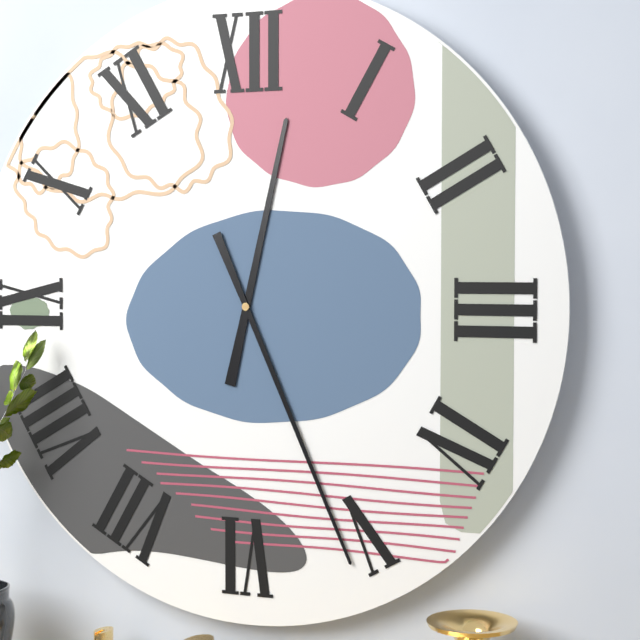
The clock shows 12.26
